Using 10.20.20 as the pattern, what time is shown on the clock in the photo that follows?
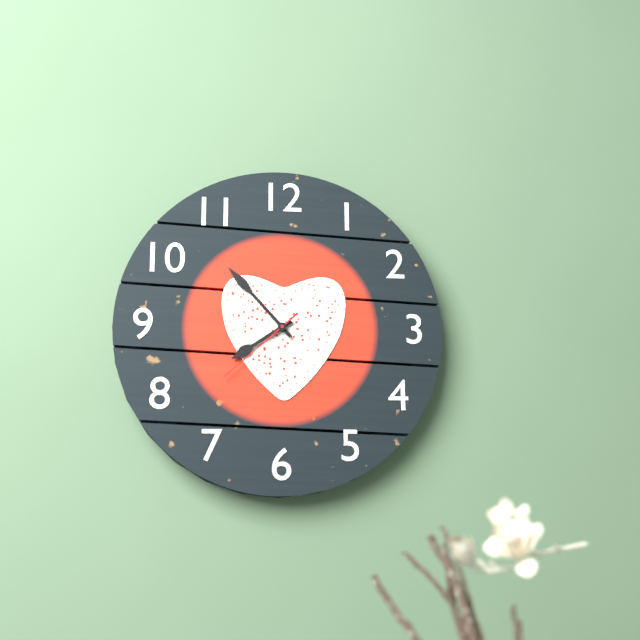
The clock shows 7.53.38
